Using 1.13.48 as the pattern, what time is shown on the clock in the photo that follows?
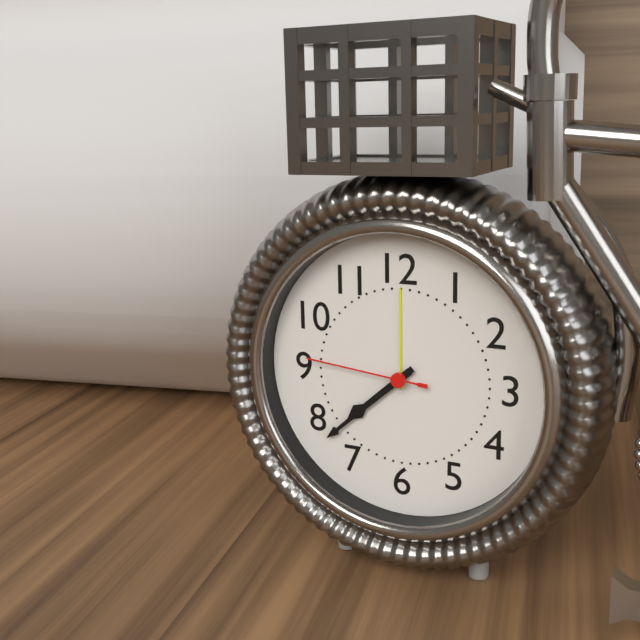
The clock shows 7.38.46
